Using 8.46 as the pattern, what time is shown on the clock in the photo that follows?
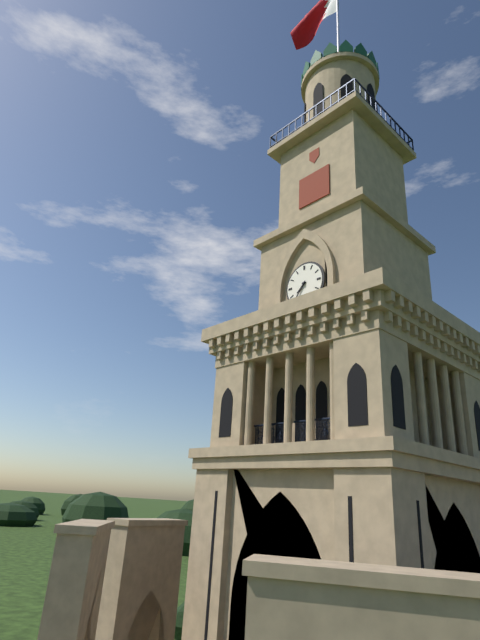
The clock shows 7.36
